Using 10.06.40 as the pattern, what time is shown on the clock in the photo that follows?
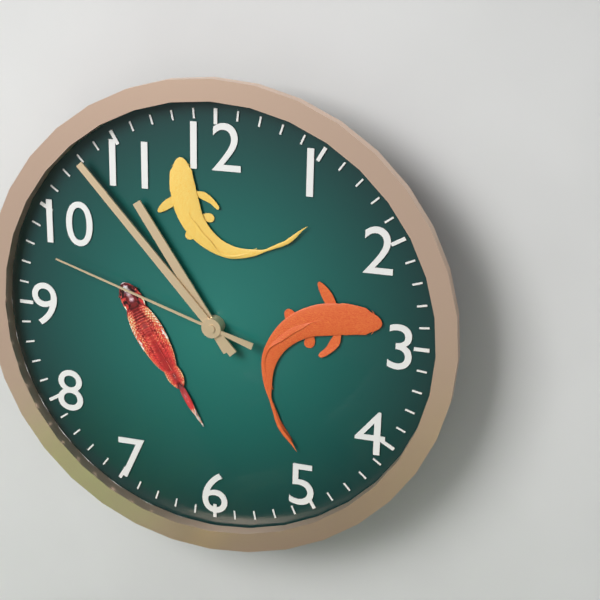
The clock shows 10.53.48
